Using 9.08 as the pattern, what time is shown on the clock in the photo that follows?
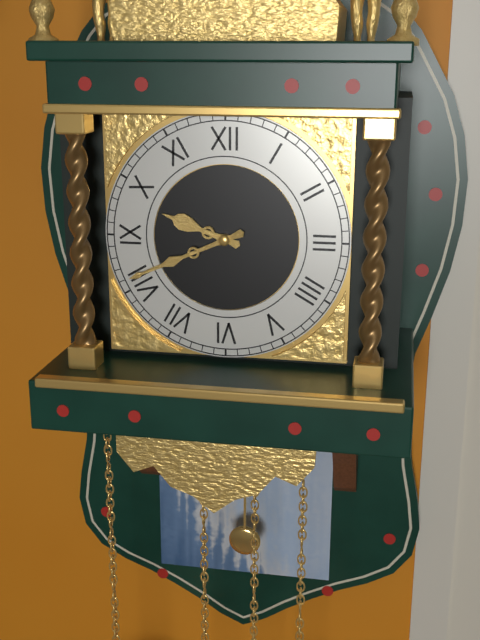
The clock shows 9.41
